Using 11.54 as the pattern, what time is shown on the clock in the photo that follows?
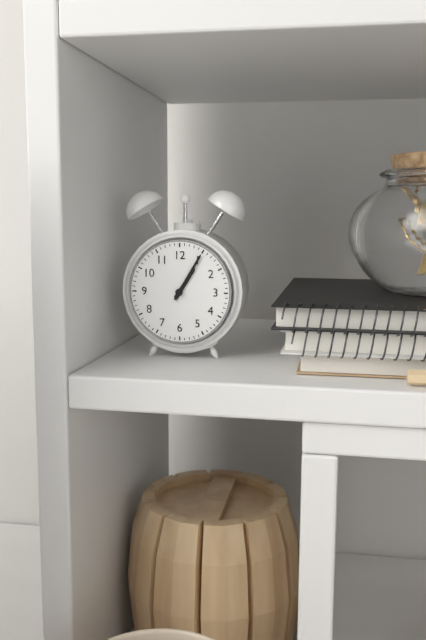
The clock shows 1.05
